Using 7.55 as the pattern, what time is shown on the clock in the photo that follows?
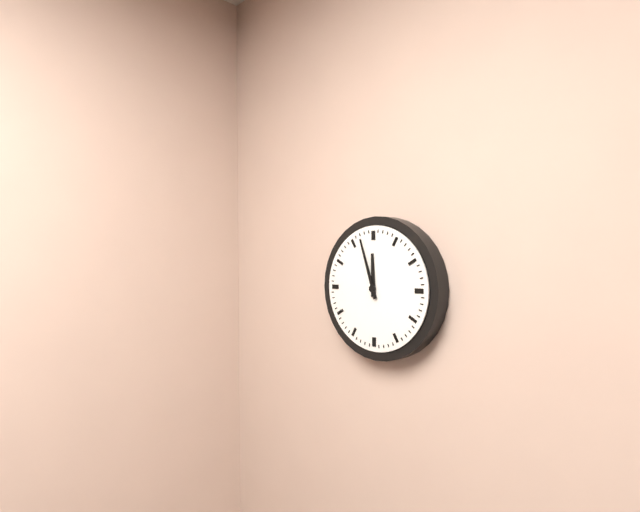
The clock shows 11.57
